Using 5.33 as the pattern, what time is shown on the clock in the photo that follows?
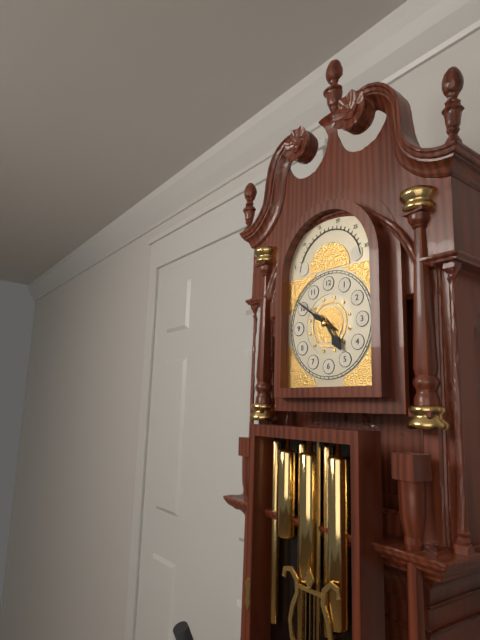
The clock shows 4.51
